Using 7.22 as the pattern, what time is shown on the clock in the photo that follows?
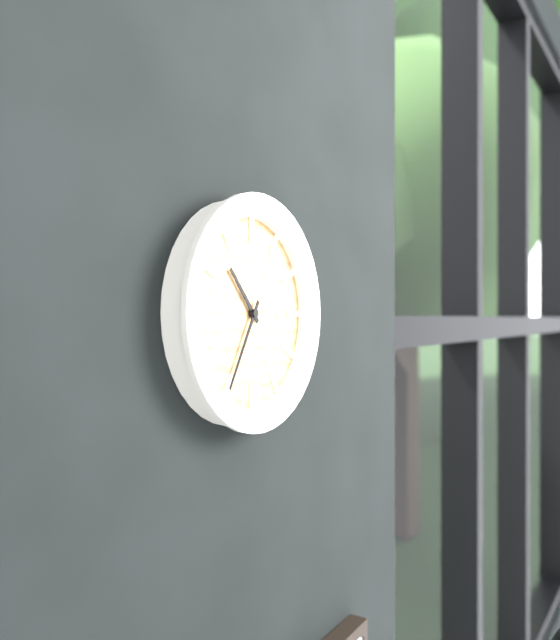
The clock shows 10.35
